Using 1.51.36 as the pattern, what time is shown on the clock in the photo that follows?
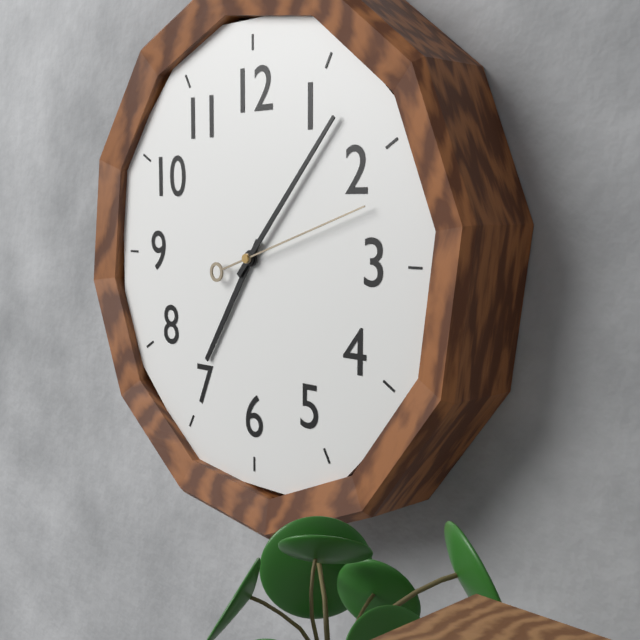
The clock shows 7.07.12
